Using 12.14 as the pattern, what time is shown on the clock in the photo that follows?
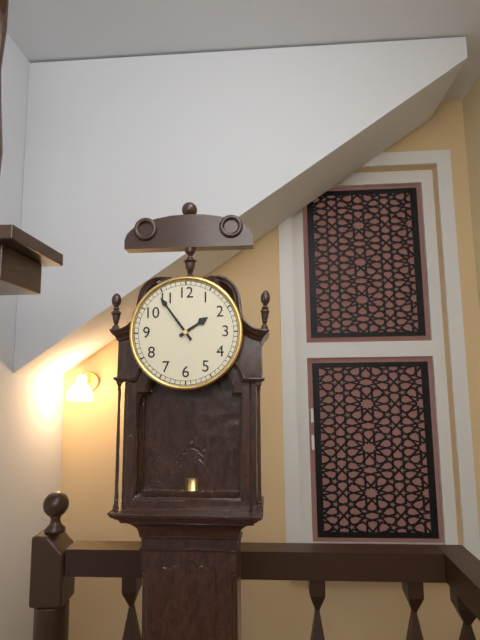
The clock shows 1.54
